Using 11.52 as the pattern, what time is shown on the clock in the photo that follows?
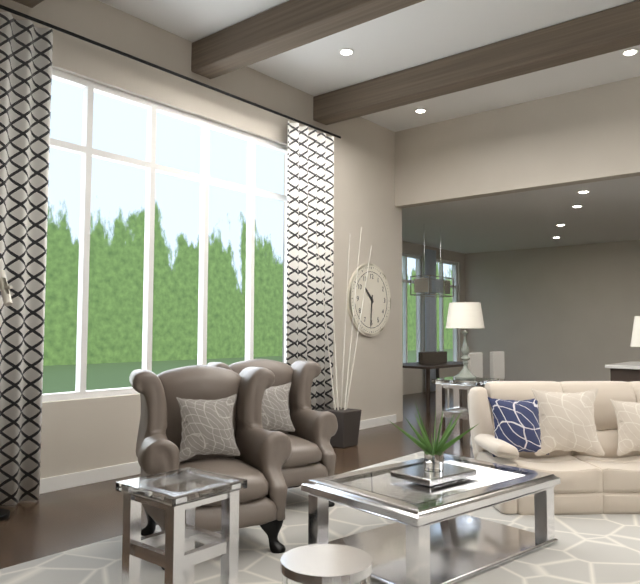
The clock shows 10.31
